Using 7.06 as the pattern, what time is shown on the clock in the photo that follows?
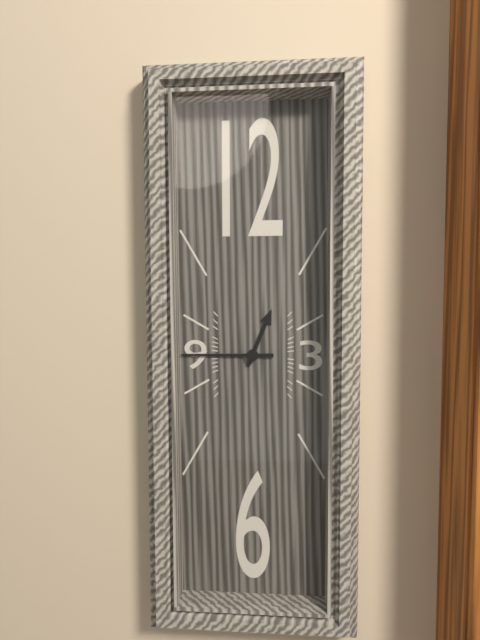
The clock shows 12.45
